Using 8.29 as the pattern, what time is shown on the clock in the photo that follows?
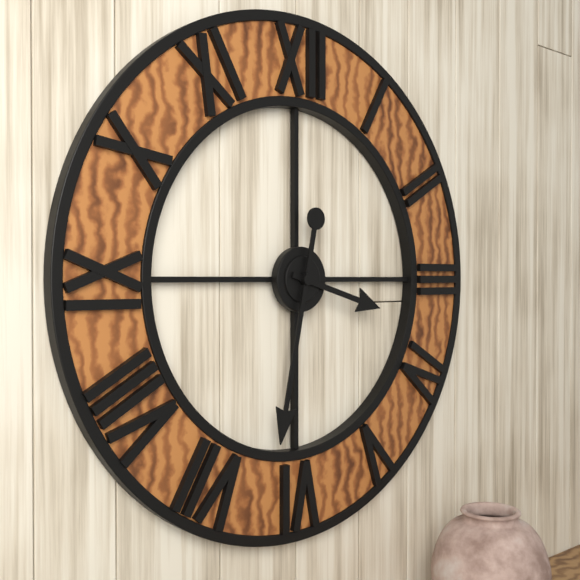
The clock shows 3.32
